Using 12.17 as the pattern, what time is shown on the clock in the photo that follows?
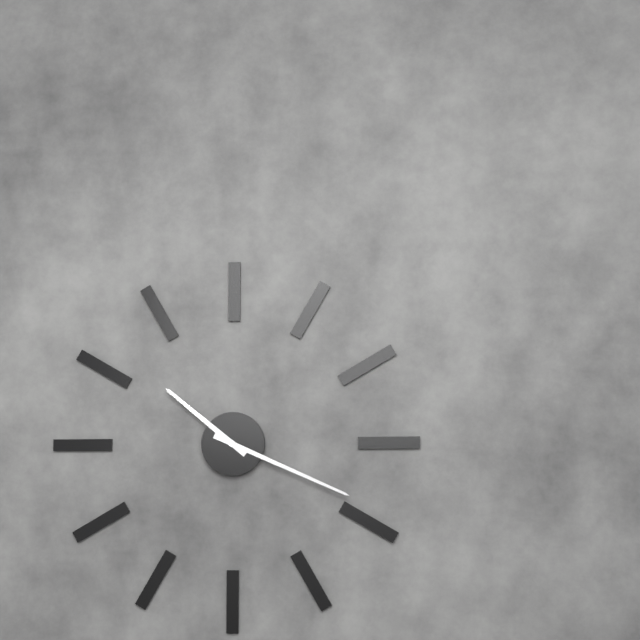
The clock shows 10.19
